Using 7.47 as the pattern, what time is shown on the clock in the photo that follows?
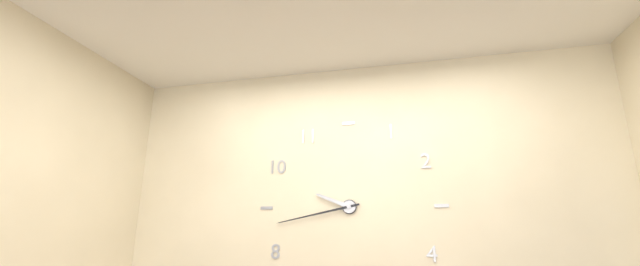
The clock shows 9.43
